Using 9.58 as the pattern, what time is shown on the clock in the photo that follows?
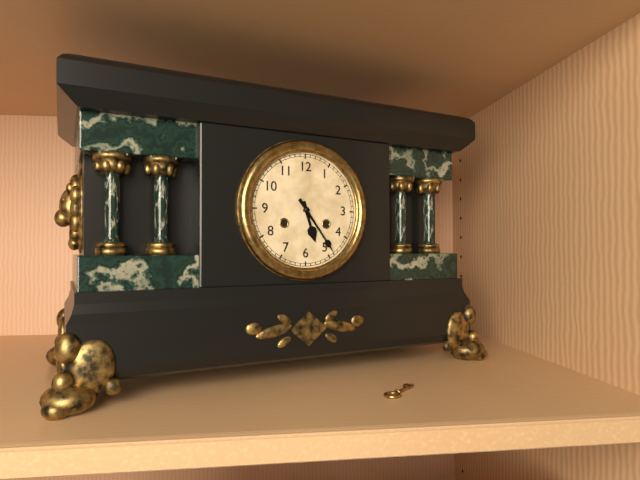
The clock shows 5.24
